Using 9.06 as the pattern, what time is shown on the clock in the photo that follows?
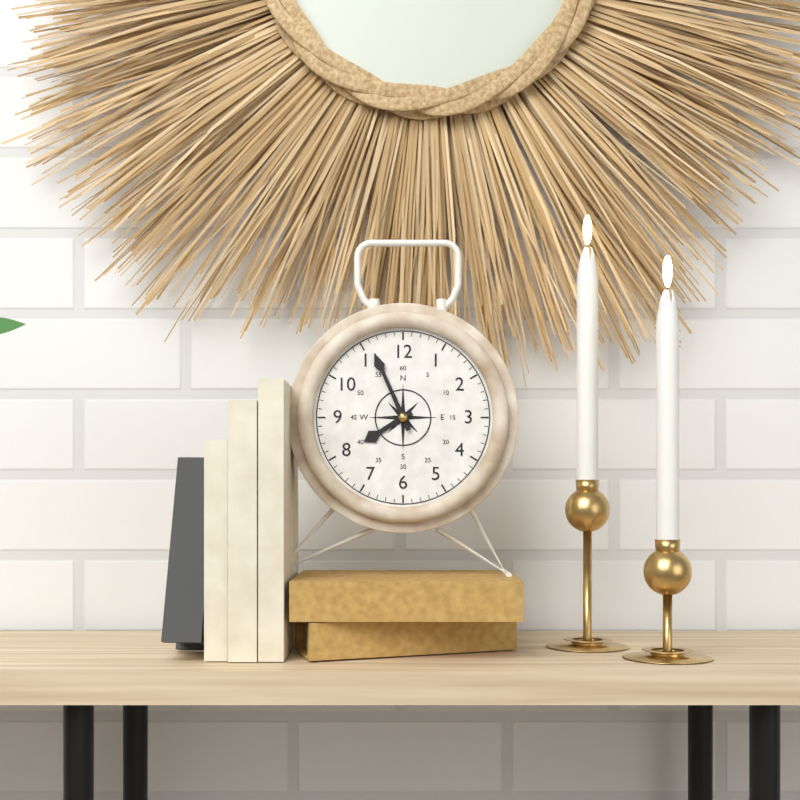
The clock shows 7.56
